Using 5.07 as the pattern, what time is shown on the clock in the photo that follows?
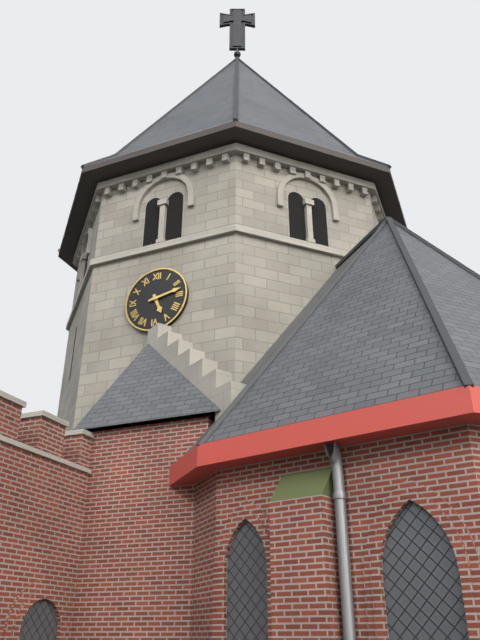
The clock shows 5.13
